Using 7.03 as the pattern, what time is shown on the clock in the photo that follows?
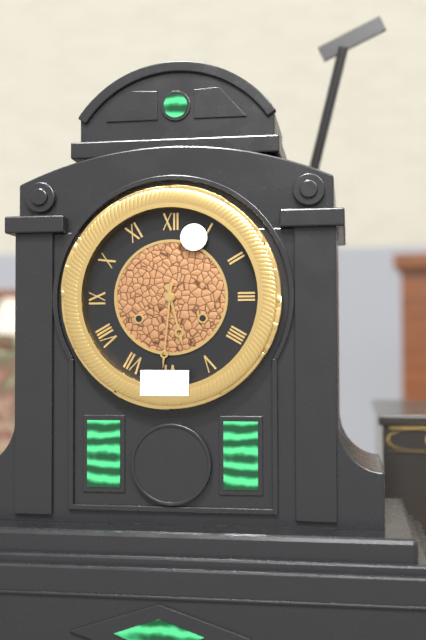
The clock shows 5.31
